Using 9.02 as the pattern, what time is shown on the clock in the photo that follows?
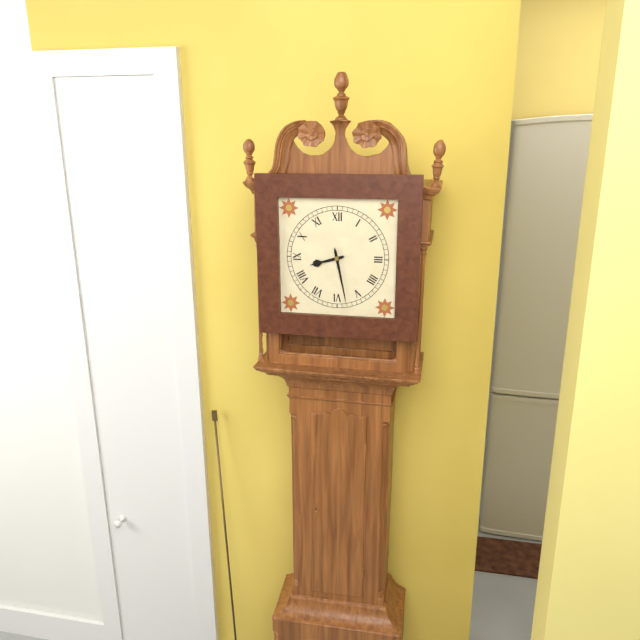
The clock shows 8.28
